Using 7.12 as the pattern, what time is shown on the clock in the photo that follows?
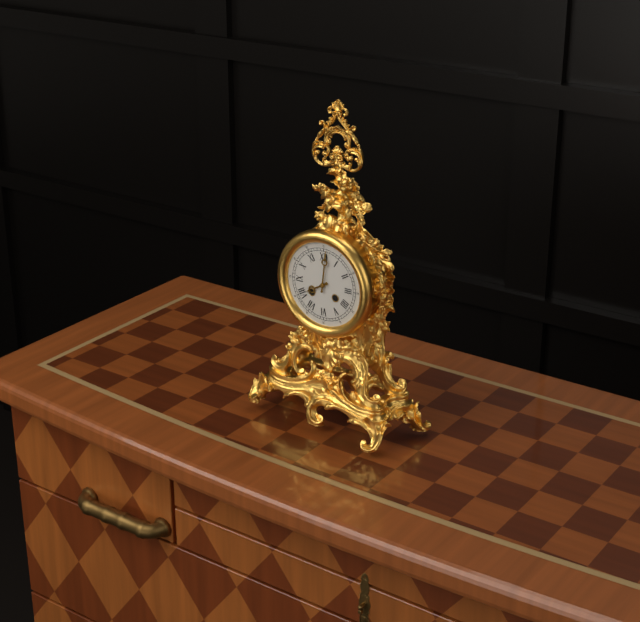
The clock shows 8.01
